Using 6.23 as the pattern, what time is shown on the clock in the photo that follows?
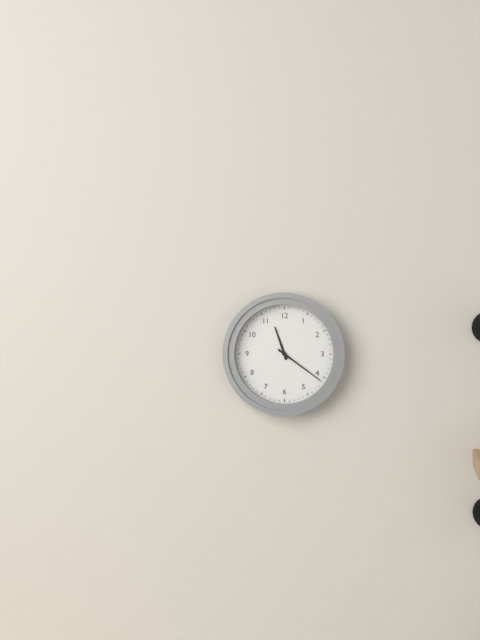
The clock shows 11.21
